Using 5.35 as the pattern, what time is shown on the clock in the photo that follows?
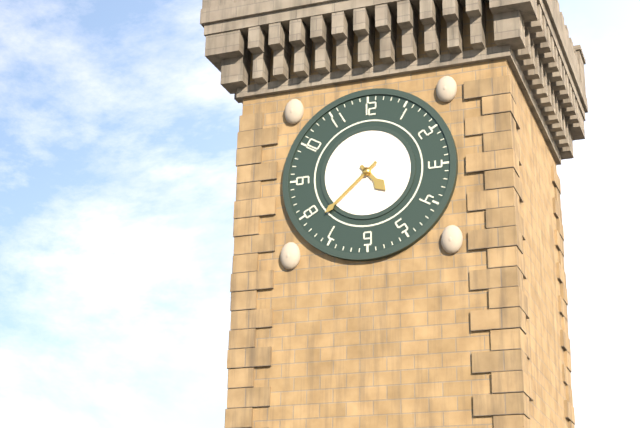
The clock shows 4.38
